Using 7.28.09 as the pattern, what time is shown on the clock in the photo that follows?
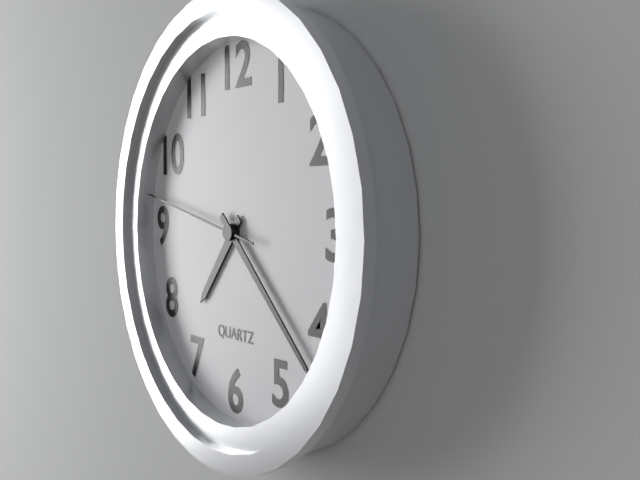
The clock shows 7.22.47
